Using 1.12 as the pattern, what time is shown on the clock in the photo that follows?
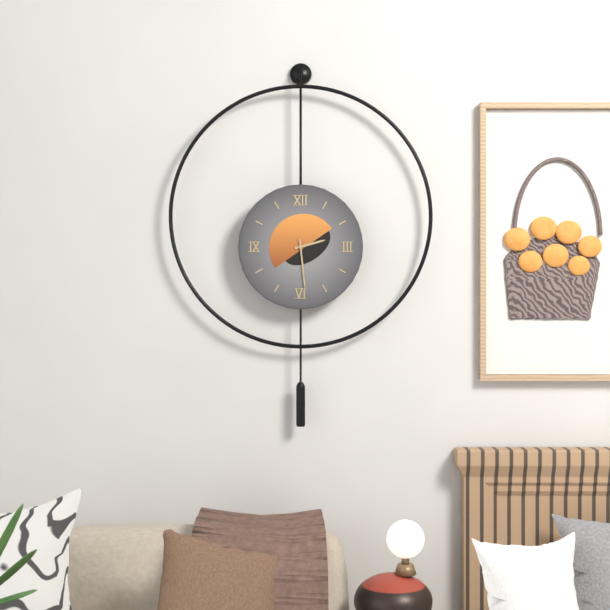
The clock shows 2.29
